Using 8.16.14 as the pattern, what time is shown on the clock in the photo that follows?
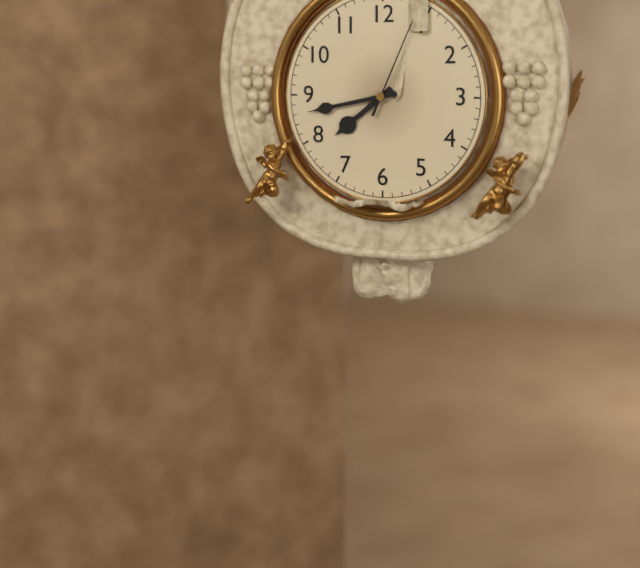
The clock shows 7.43.04
